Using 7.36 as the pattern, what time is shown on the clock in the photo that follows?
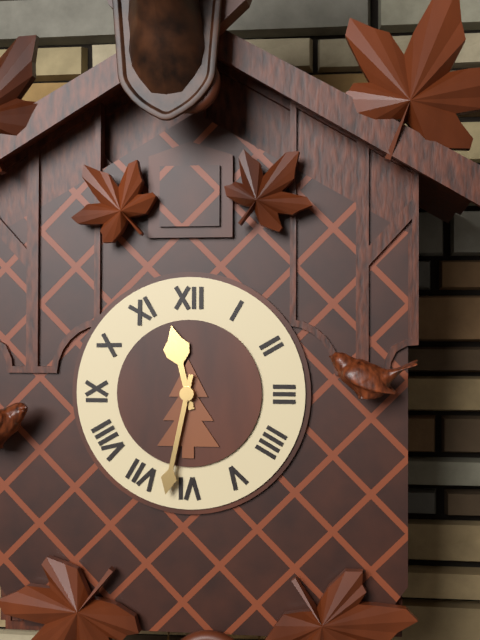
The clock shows 11.32
